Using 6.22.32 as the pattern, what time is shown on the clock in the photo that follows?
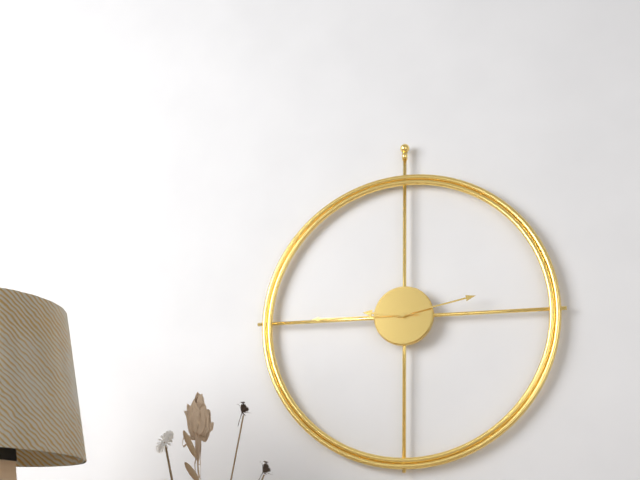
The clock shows 9.13.45
